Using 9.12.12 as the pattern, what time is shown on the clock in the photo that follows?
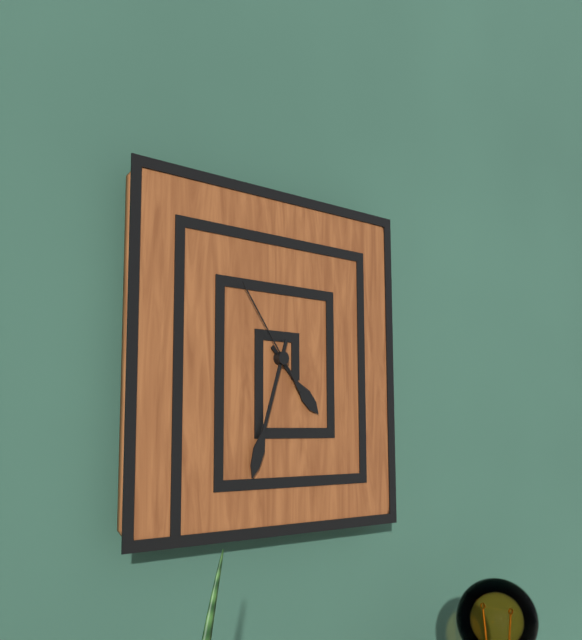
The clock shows 4.33.54
